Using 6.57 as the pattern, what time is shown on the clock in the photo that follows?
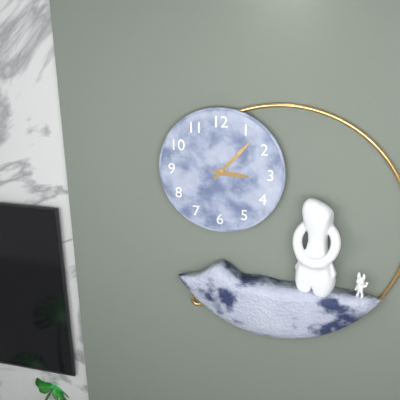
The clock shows 3.07
